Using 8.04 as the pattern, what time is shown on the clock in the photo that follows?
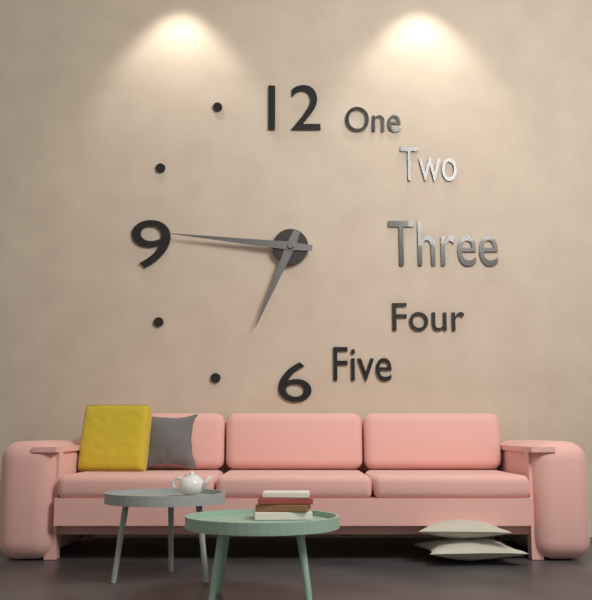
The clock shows 6.46
